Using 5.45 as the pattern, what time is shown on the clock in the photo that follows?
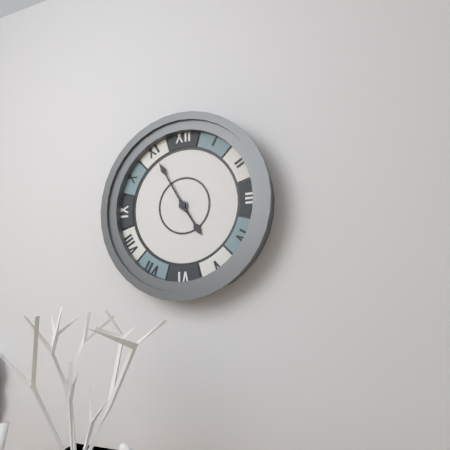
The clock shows 4.55
